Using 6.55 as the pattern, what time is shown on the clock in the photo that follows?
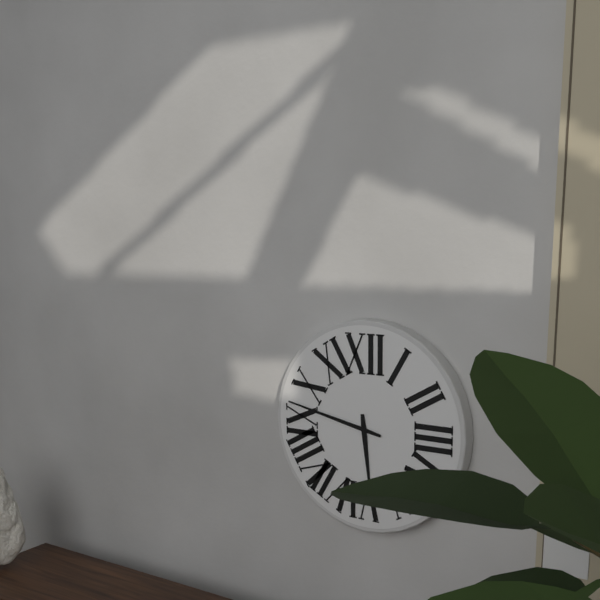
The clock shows 5.47
